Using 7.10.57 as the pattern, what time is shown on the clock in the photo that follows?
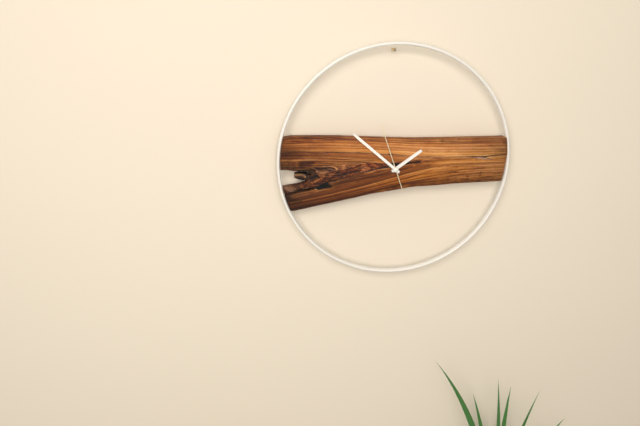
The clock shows 1.52.57
